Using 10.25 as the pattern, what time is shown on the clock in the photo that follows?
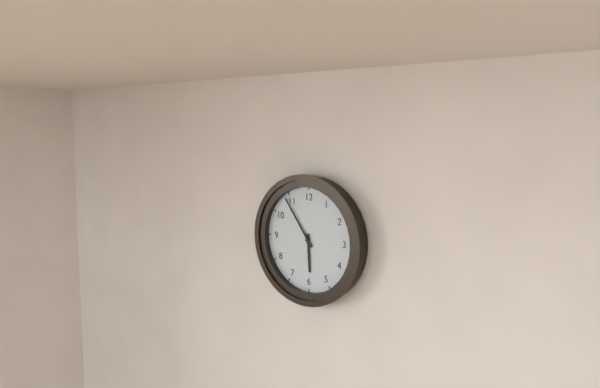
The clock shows 5.54
